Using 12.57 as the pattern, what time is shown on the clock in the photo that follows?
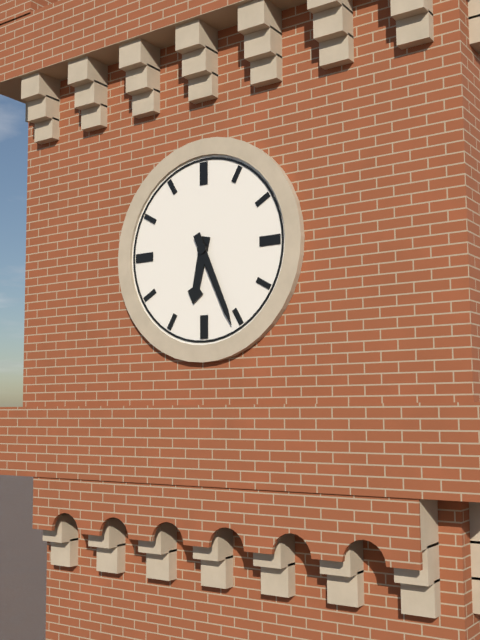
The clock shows 6.26
